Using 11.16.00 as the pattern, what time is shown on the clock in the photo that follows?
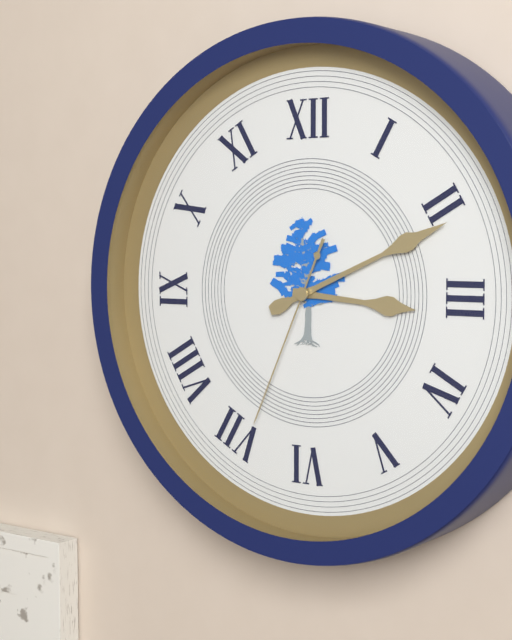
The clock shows 3.11.34
